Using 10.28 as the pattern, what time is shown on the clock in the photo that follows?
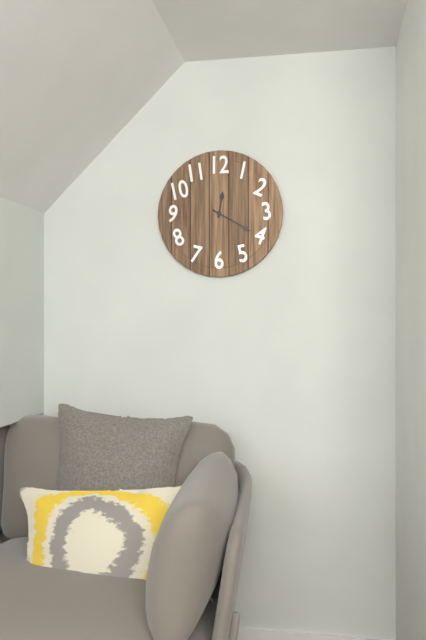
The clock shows 12.20
